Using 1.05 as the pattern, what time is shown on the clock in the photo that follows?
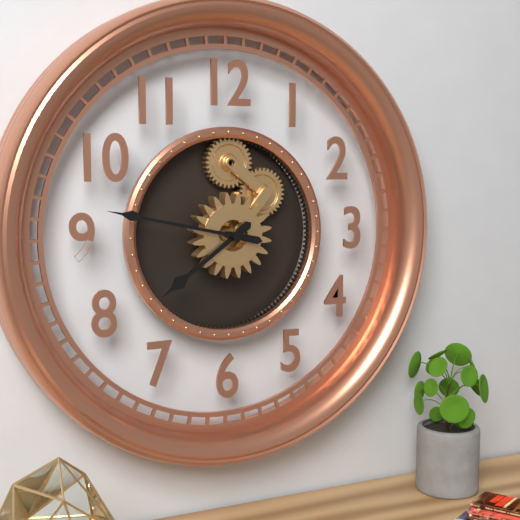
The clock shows 7.47
